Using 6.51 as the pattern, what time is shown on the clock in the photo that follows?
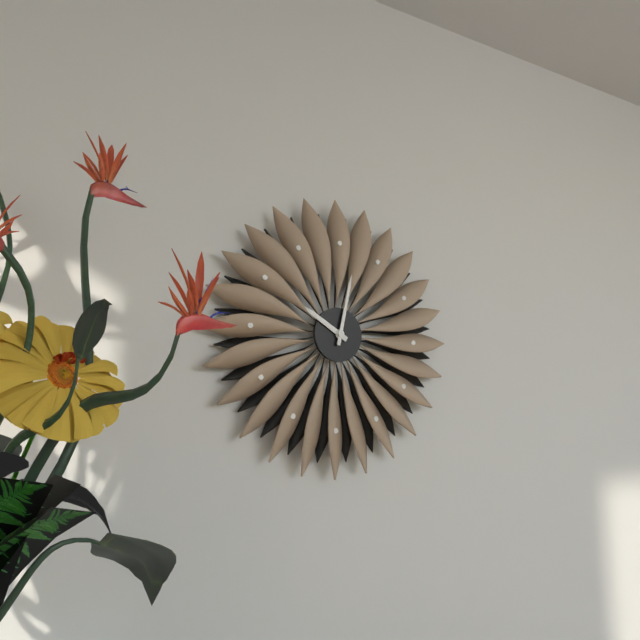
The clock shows 10.02
